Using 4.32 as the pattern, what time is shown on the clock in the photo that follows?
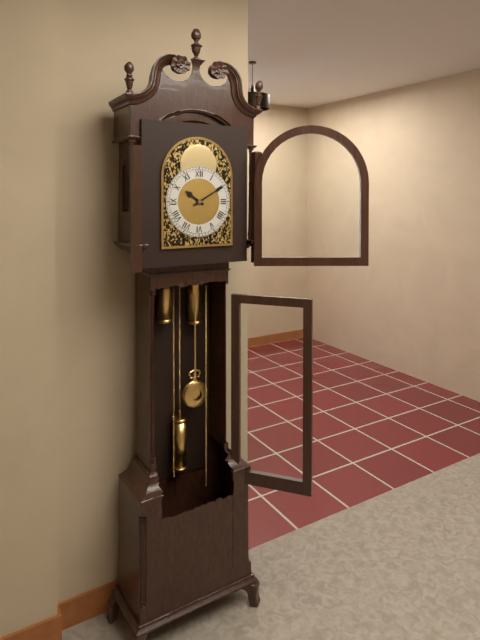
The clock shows 10.10
